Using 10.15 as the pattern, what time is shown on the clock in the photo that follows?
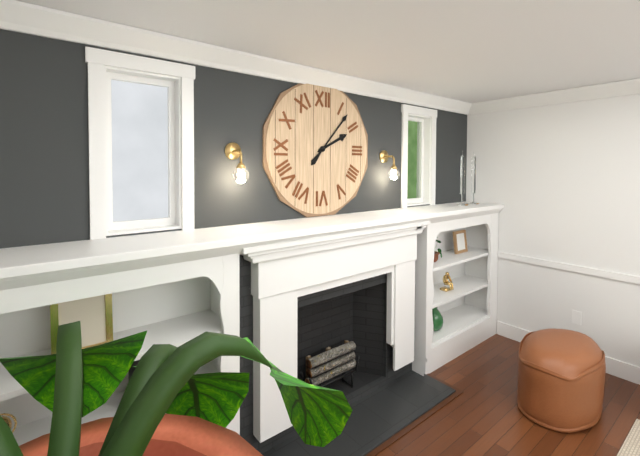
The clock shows 2.07
